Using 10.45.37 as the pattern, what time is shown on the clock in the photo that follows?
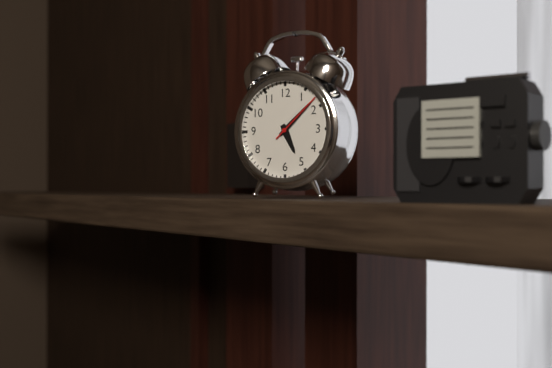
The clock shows 5.08.08
